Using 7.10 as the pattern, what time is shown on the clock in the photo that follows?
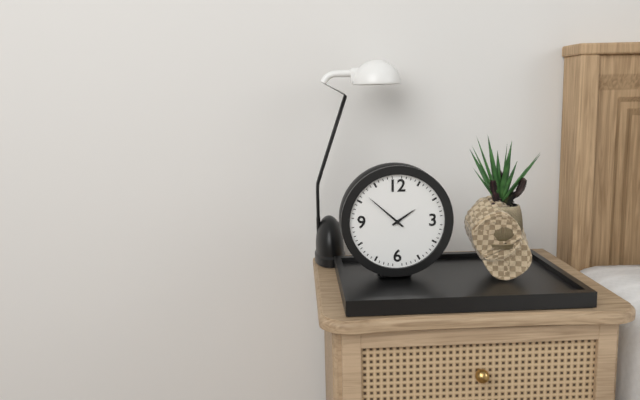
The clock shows 1.52
